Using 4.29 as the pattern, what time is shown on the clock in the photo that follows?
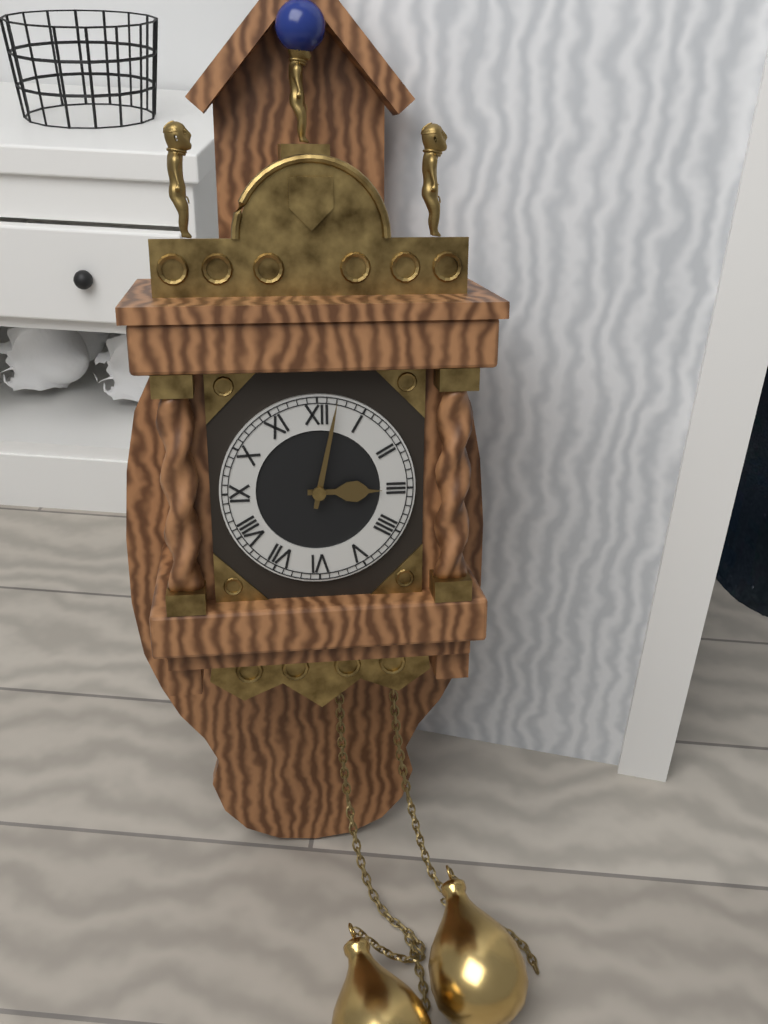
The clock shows 3.02
